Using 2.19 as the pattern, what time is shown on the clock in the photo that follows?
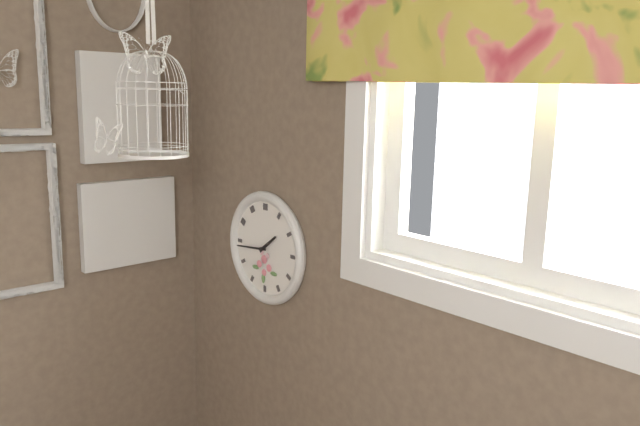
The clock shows 1.44
